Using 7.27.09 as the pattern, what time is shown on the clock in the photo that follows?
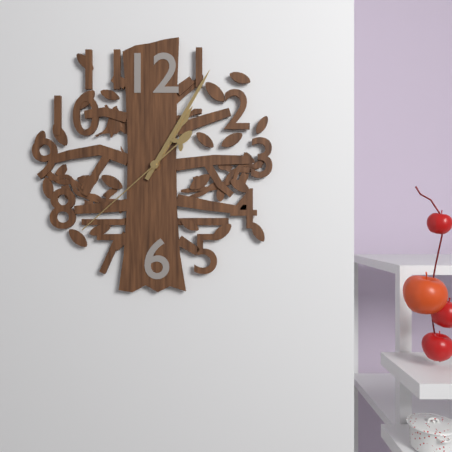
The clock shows 1.05.38
